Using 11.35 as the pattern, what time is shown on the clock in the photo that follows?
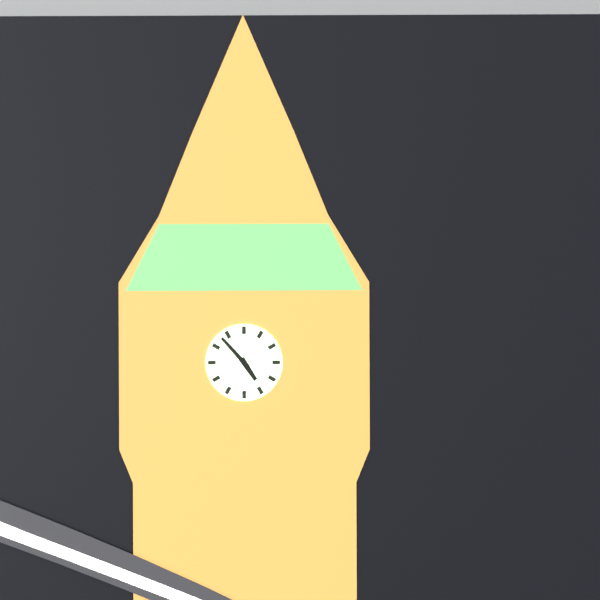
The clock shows 4.53
